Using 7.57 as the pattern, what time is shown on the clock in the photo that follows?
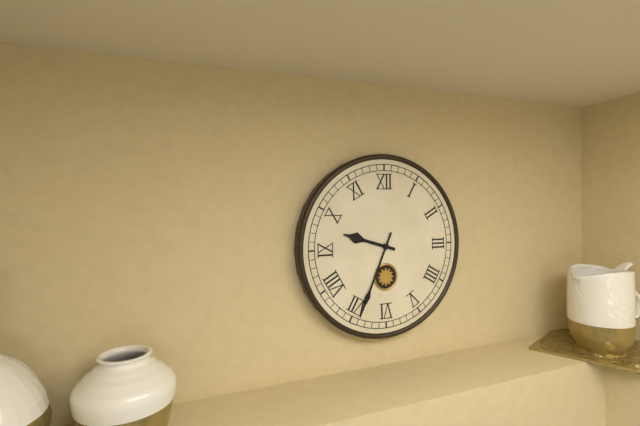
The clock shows 9.34
